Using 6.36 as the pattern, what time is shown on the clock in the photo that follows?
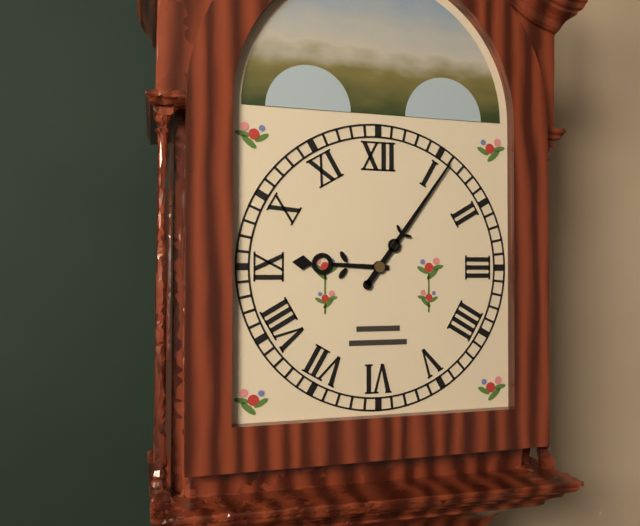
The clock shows 9.06
